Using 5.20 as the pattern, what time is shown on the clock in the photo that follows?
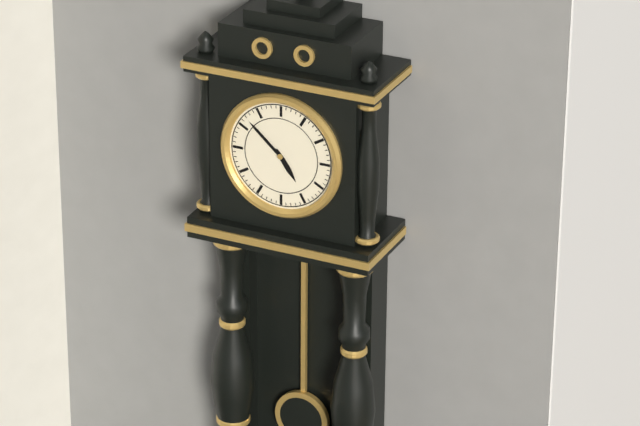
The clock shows 4.52
